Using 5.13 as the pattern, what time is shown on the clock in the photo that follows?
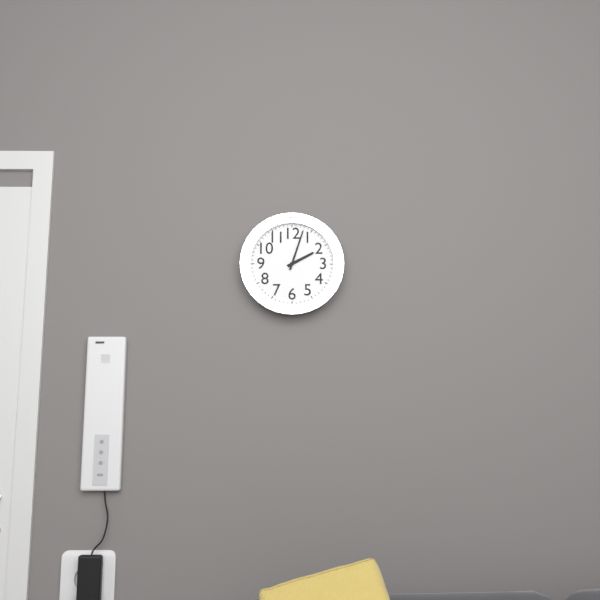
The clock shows 2.03
